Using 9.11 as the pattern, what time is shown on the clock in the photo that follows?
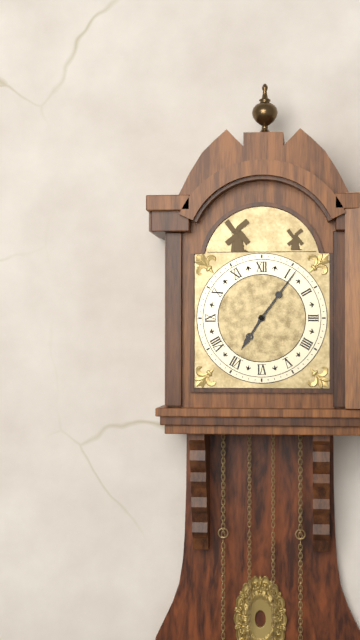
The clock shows 7.06
